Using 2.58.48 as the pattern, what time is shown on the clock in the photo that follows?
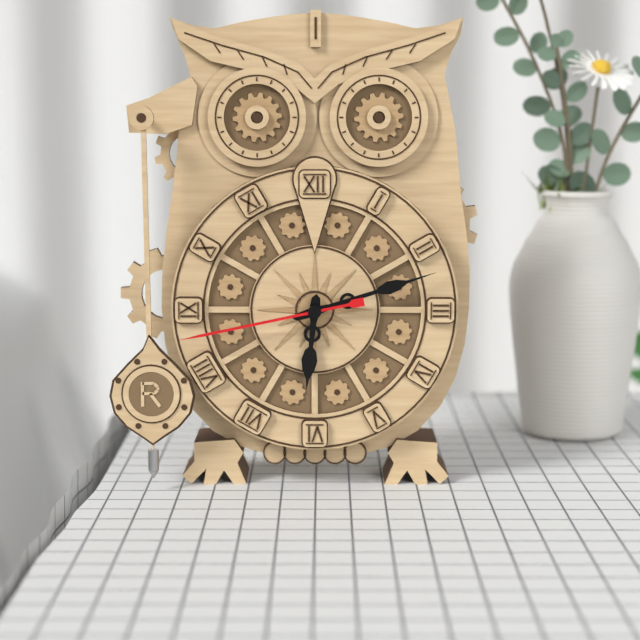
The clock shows 6.12.43
